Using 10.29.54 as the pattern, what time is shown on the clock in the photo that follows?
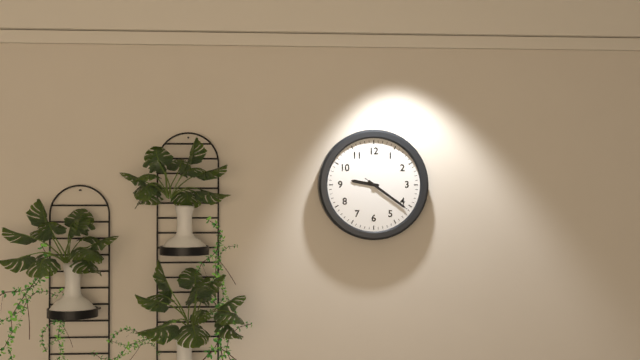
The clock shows 9.21.21
